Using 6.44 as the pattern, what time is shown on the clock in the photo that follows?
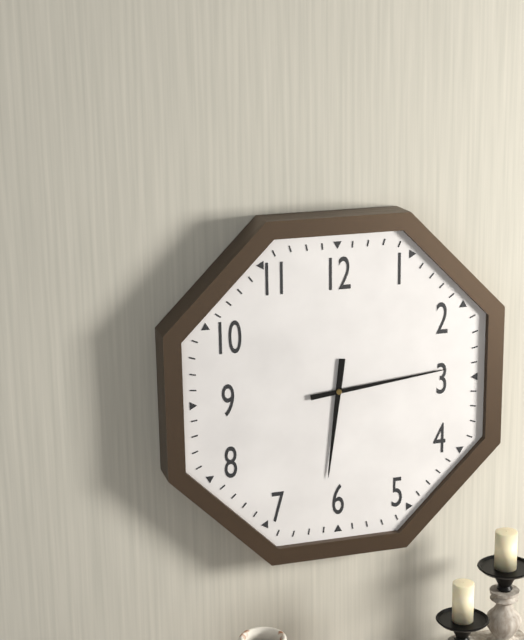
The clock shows 6.14
